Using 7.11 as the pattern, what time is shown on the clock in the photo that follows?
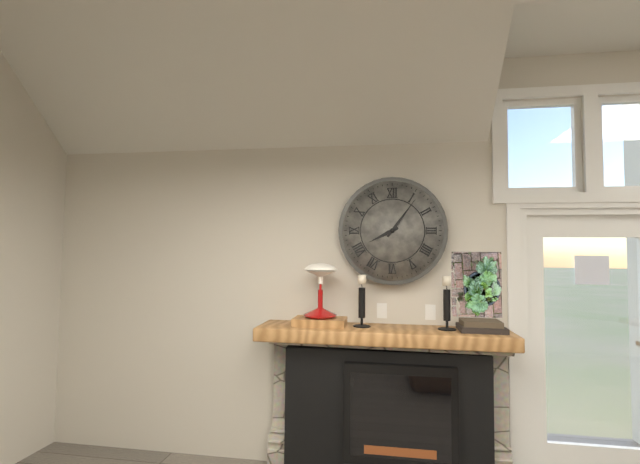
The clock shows 8.06
